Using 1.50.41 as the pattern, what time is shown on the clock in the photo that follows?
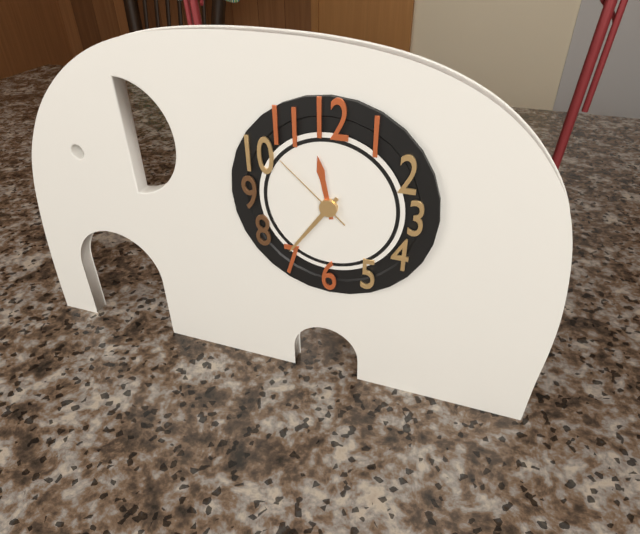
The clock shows 11.36.52
